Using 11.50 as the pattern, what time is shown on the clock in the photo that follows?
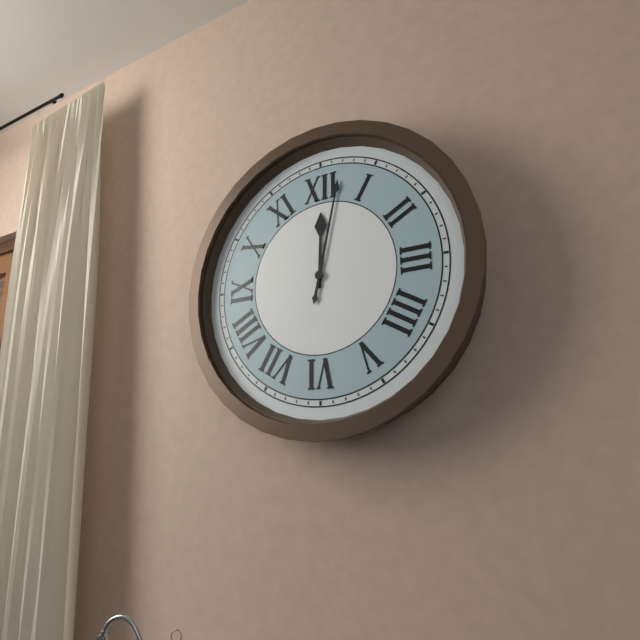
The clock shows 12.02
